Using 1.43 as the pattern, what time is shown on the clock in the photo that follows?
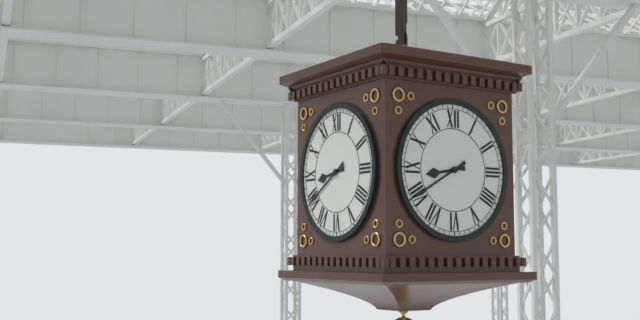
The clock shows 8.40
